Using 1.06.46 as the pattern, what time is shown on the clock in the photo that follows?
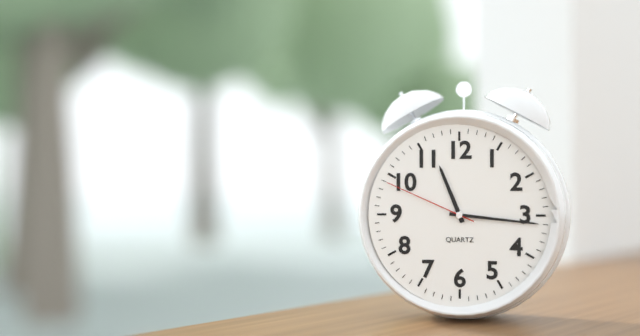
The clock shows 11.16.49
